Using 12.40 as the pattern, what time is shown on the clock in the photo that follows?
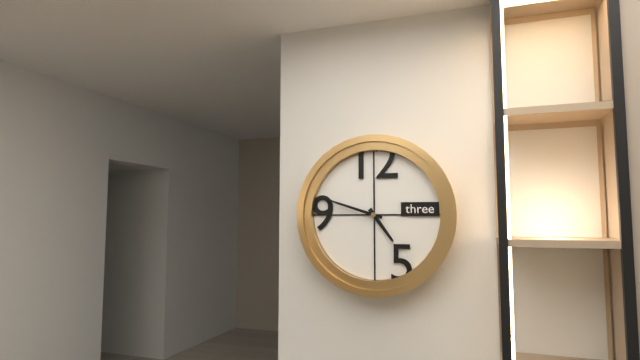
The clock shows 4.48
